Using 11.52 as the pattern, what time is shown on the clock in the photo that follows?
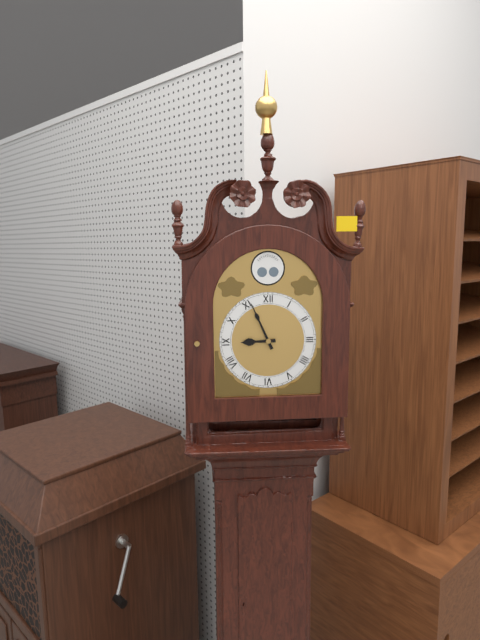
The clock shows 8.56
